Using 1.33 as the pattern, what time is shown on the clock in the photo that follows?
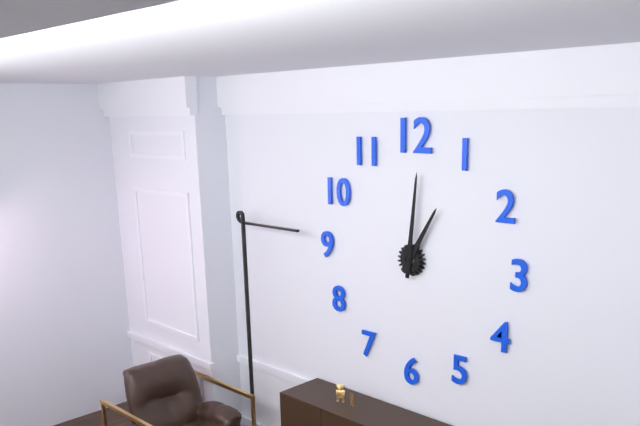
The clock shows 1.01
